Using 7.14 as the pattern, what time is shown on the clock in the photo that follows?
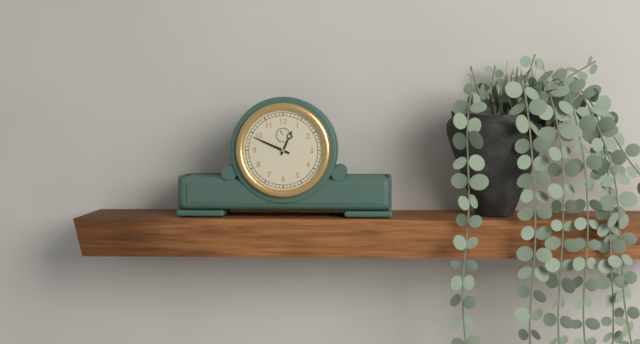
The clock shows 12.49
